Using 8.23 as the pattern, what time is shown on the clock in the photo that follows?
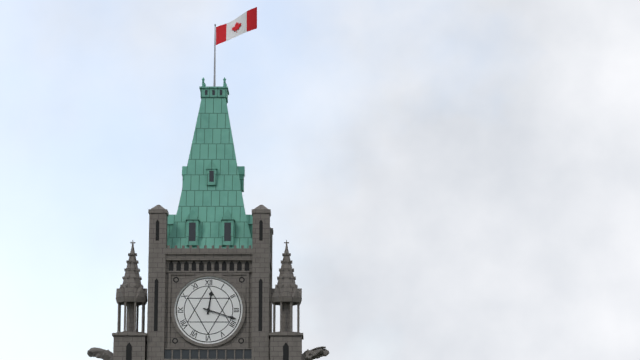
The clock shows 12.18
